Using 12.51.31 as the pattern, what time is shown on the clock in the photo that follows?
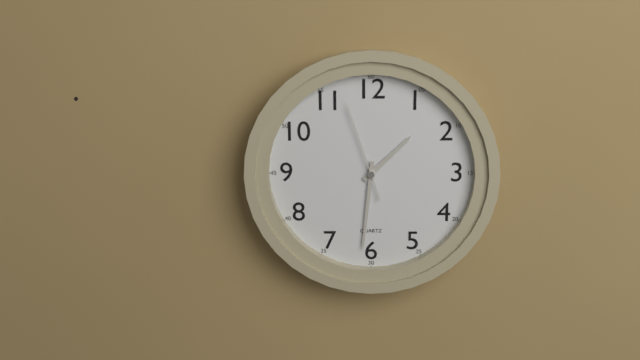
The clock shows 1.31.57
